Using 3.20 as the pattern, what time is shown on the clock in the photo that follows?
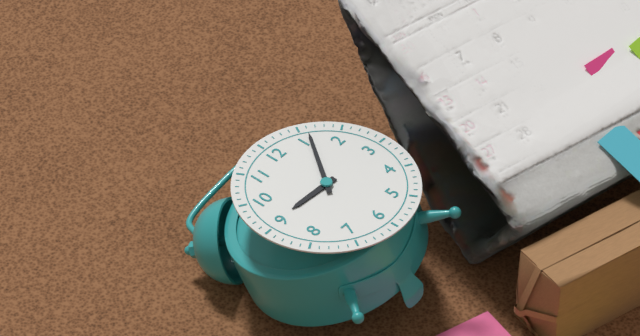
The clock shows 9.06
